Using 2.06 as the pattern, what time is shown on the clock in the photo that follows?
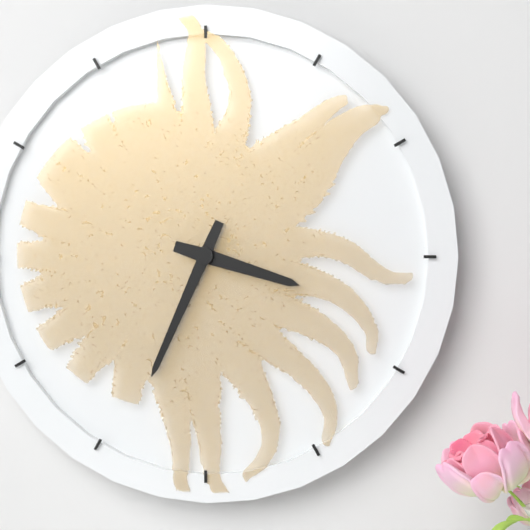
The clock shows 3.34
